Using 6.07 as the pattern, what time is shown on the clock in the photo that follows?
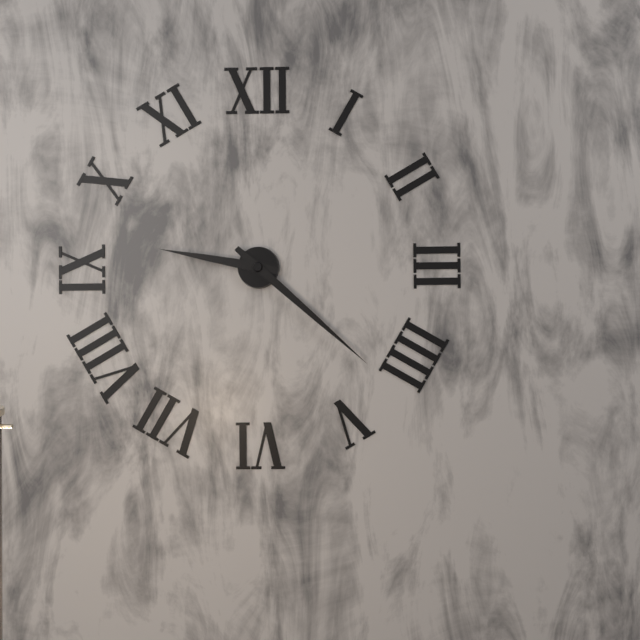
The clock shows 9.22
